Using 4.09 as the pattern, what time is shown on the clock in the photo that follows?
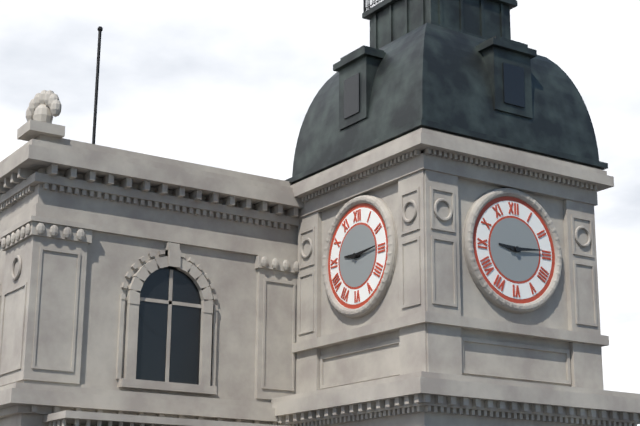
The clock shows 9.14
